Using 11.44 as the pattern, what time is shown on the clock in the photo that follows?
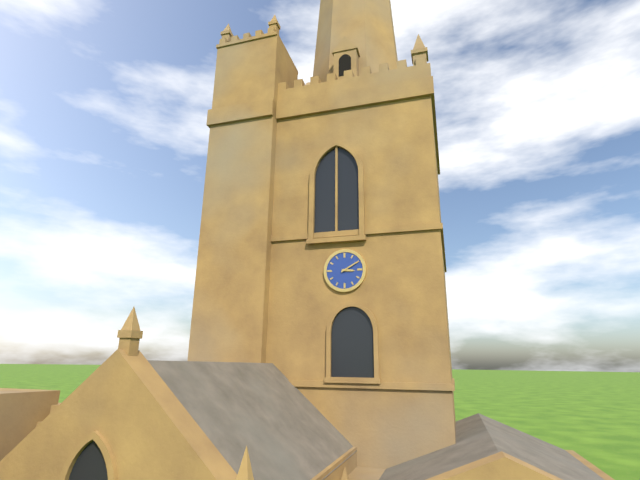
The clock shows 3.10
